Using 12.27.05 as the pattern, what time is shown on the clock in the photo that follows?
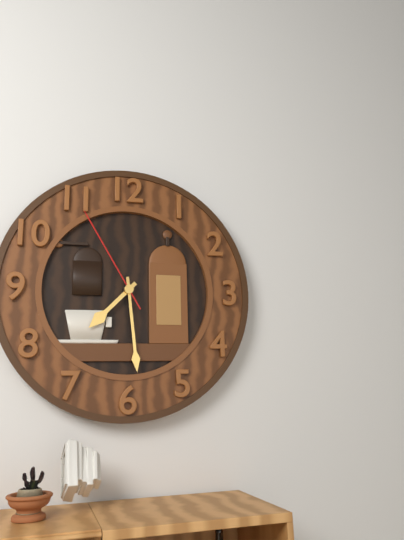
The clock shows 7.29.55
